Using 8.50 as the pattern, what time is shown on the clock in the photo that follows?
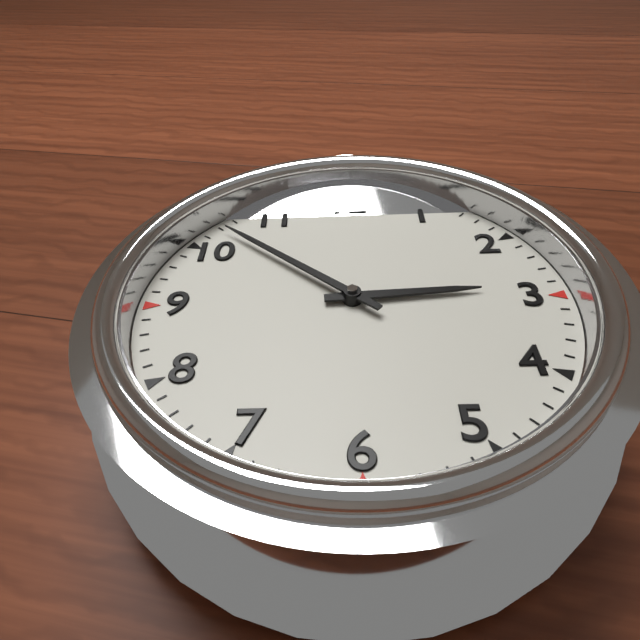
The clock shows 2.52
